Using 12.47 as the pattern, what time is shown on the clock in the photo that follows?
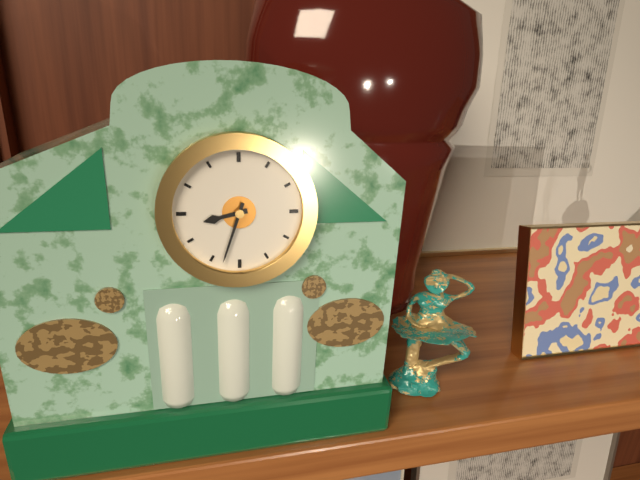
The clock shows 8.33
